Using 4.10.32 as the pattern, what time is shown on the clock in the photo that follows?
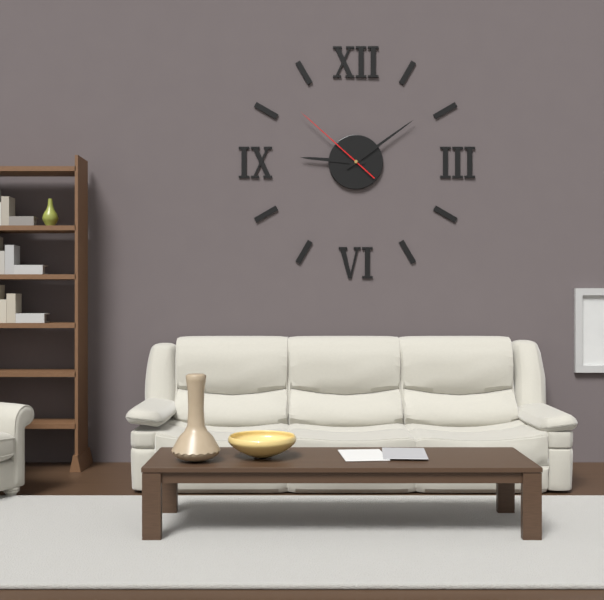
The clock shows 9.09.52
